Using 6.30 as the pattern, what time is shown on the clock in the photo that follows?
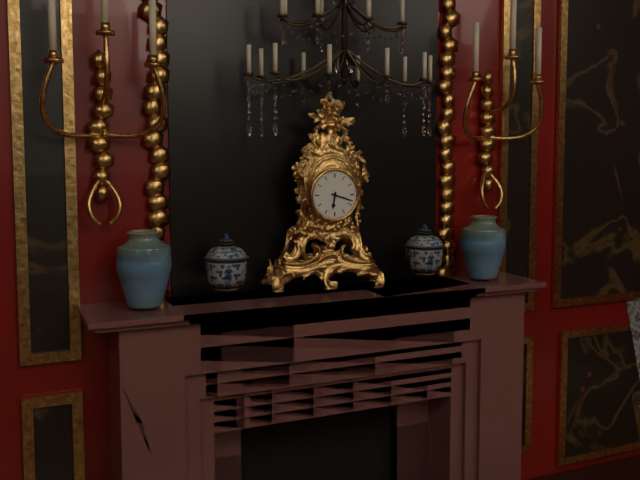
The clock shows 6.18
